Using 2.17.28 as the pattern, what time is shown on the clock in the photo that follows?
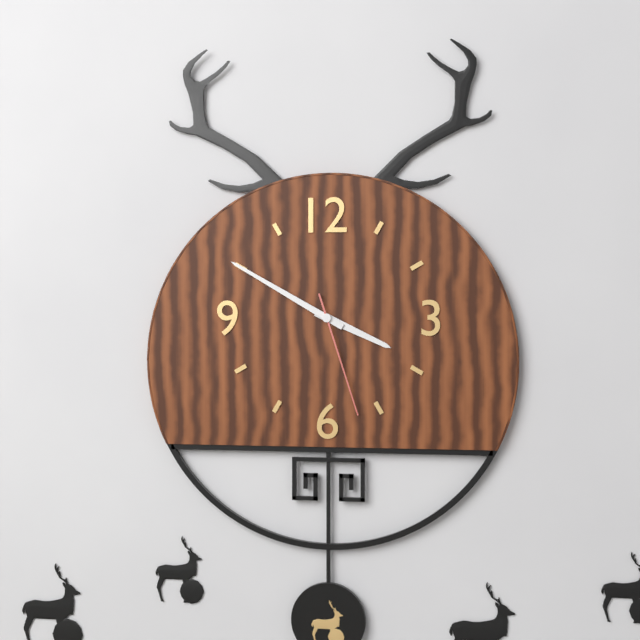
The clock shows 3.50.27
